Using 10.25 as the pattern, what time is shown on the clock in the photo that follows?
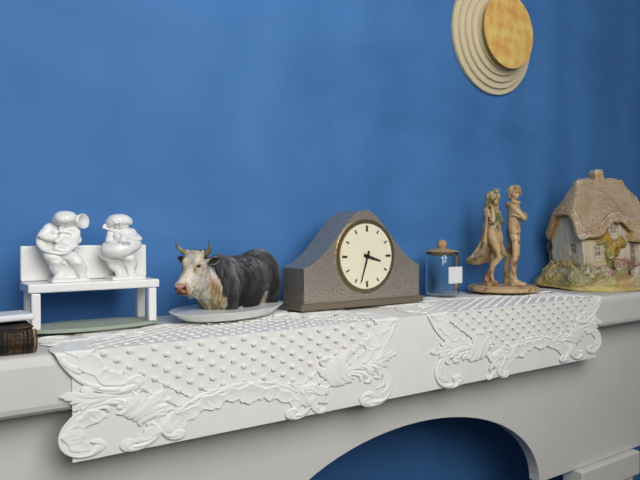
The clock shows 3.33
